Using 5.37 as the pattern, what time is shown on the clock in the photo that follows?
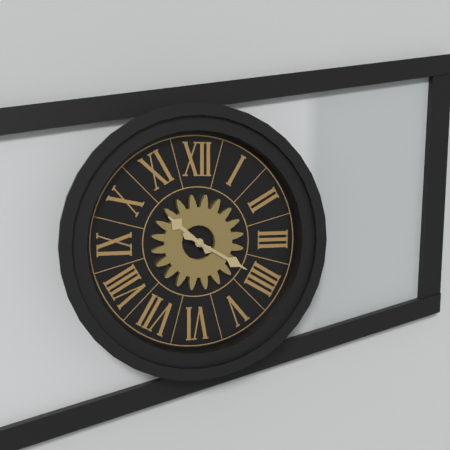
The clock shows 10.20
